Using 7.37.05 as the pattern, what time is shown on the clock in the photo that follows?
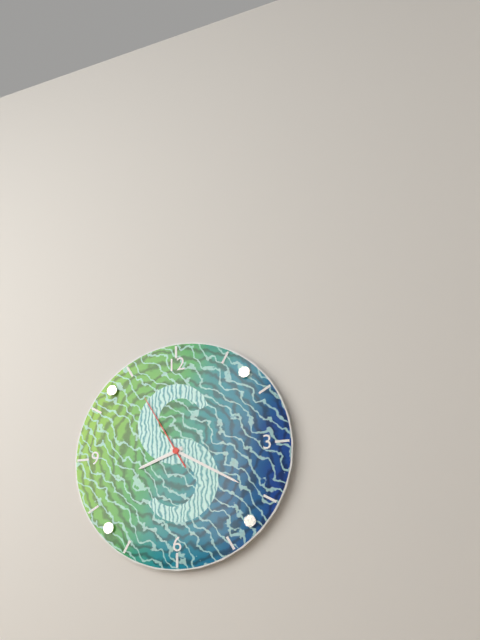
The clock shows 8.20.55
